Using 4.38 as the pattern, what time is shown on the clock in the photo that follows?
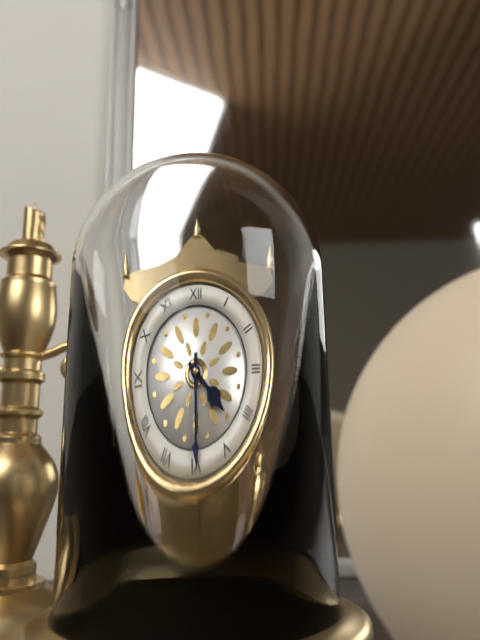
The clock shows 4.30
